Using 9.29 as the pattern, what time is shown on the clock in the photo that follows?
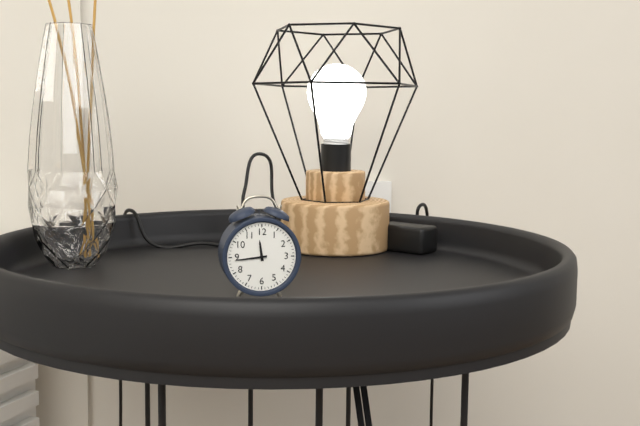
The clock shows 11.44
